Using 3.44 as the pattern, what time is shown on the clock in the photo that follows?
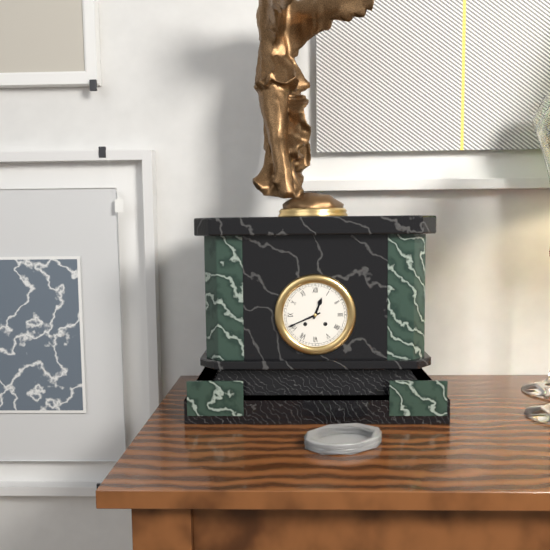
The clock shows 12.41
